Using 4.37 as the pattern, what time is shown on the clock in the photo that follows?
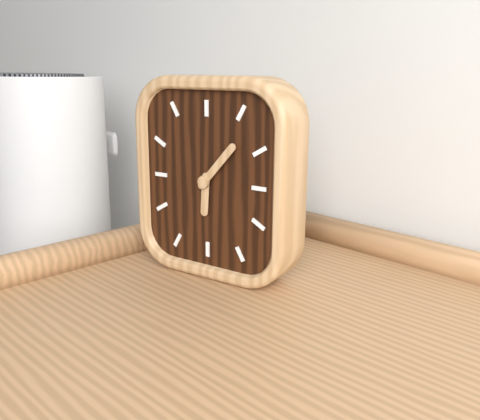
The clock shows 6.07
